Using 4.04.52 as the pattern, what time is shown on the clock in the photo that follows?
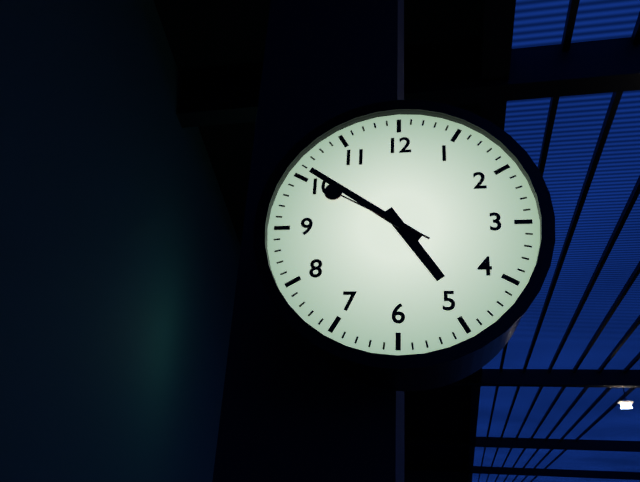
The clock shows 4.51.50
